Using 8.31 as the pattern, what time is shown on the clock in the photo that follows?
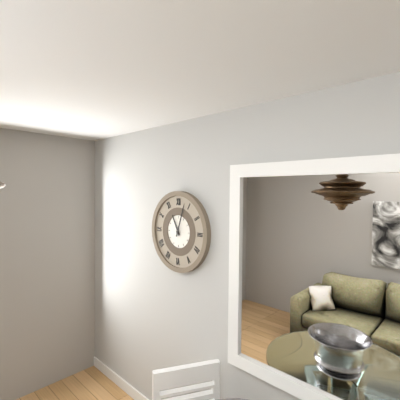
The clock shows 11.03
